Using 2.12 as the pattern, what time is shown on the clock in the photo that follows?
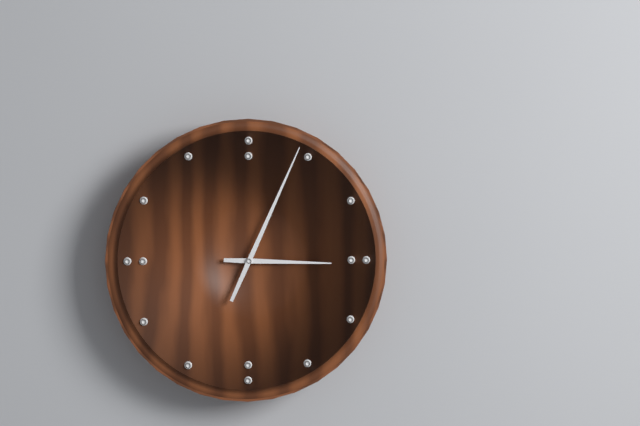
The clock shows 3.04
